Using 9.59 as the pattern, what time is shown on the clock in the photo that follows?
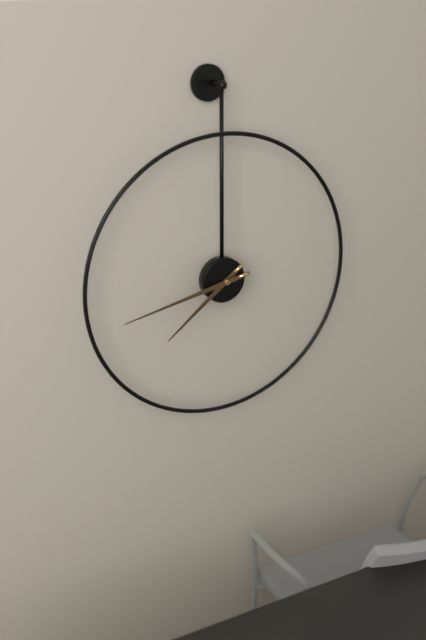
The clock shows 7.43
